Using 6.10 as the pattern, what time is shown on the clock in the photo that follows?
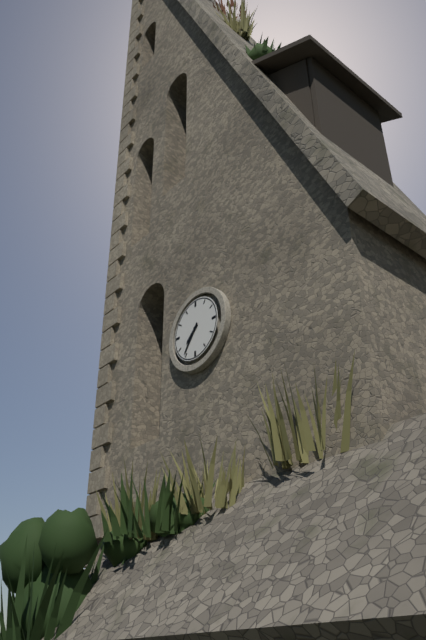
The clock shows 7.36
